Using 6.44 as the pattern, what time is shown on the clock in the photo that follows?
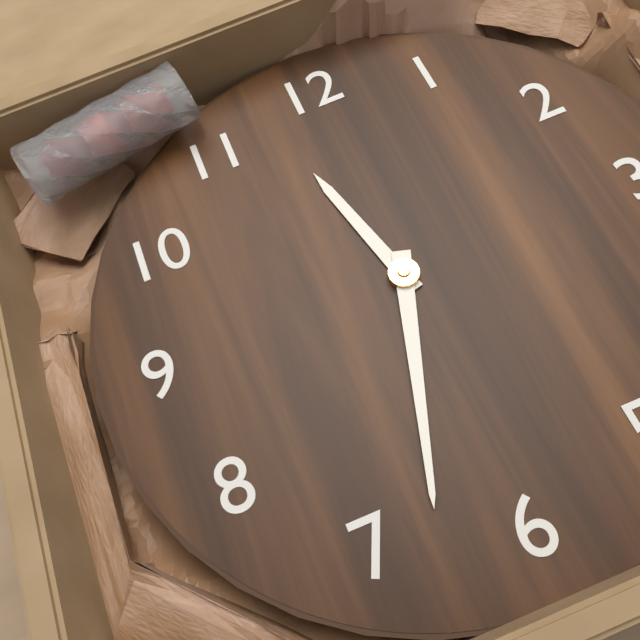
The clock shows 11.33
